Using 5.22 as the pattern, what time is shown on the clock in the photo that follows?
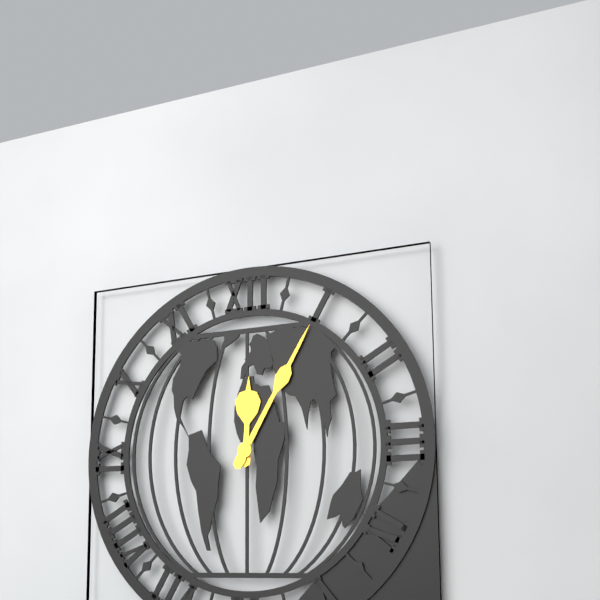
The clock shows 12.05
